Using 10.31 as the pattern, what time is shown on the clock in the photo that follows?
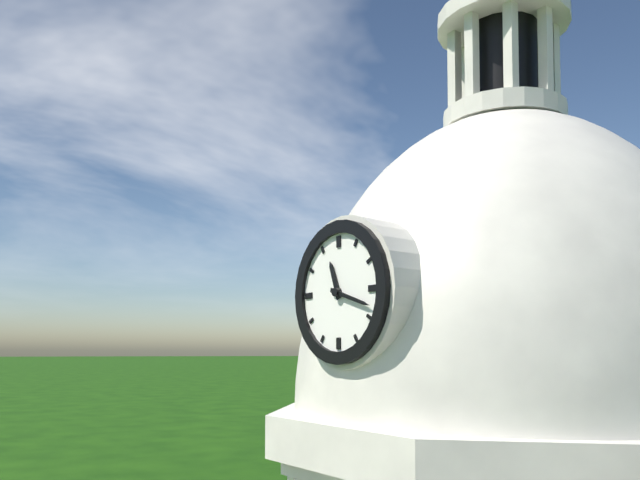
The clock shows 11.18
